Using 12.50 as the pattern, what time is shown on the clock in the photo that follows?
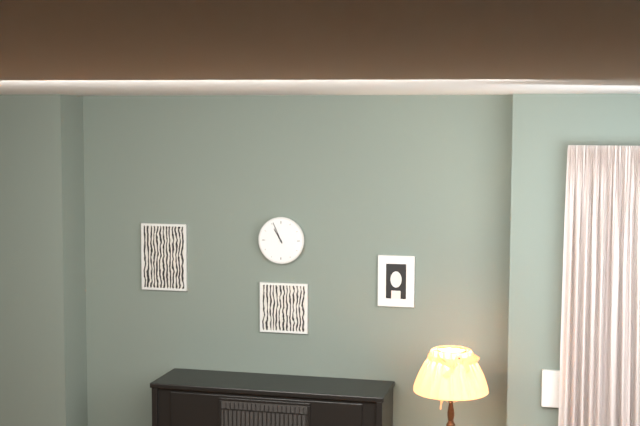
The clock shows 10.56
